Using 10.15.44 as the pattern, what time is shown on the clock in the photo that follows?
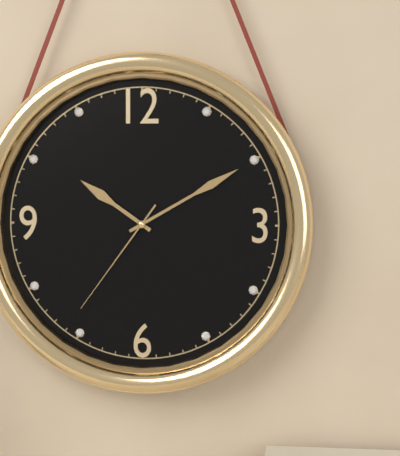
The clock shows 10.10.36
